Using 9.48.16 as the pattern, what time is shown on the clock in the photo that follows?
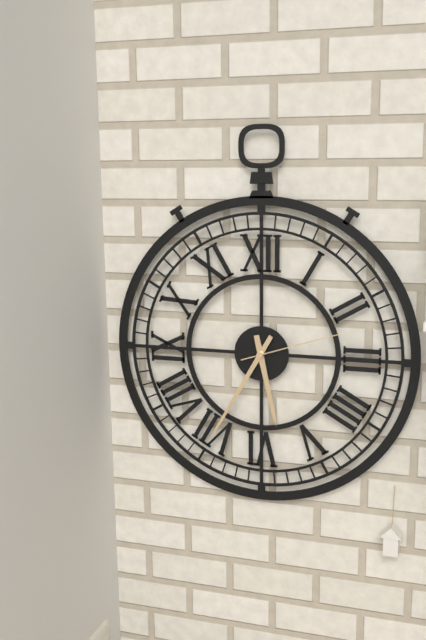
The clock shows 5.35.12
